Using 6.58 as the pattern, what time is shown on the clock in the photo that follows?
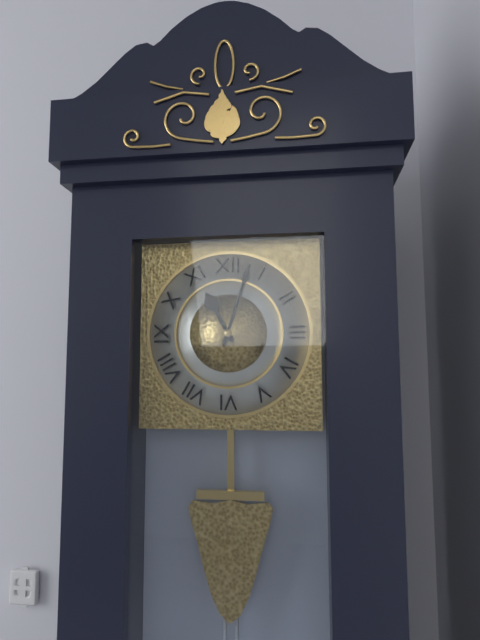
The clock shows 11.03
